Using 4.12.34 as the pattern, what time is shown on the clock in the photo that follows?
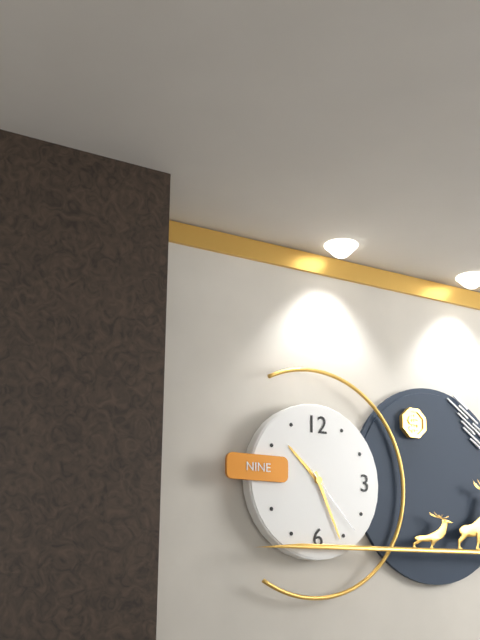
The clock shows 10.26.23
